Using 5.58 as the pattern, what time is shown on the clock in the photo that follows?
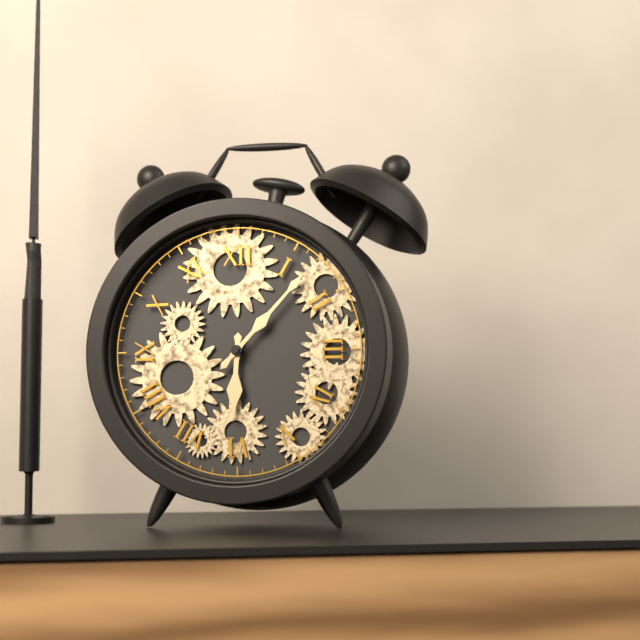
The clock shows 6.07
